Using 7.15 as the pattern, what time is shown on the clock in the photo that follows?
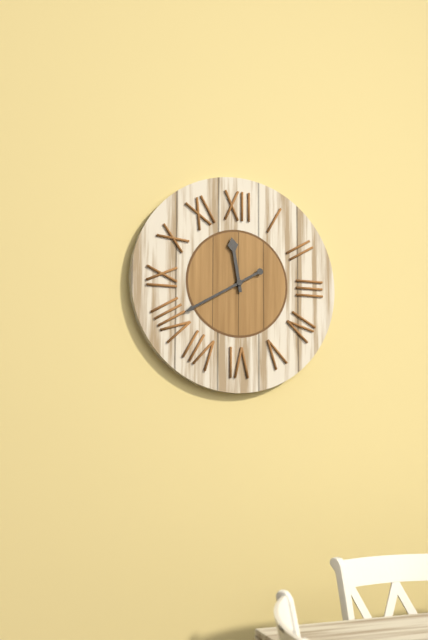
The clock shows 11.40
